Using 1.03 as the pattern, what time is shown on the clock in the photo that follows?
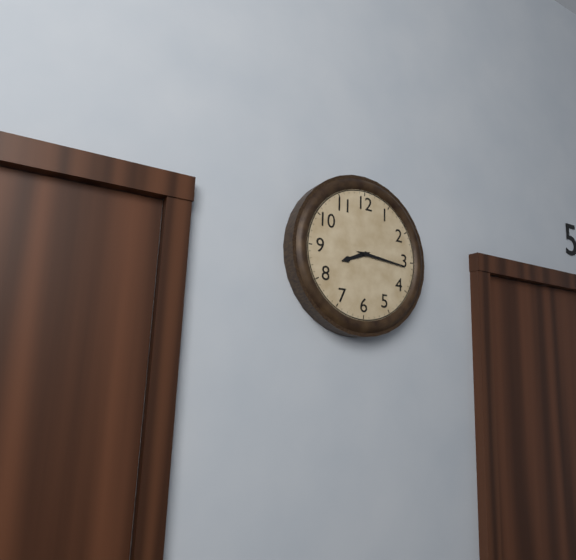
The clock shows 8.16
